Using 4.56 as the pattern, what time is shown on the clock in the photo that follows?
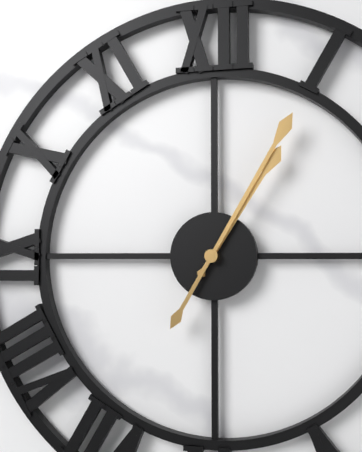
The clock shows 1.05
